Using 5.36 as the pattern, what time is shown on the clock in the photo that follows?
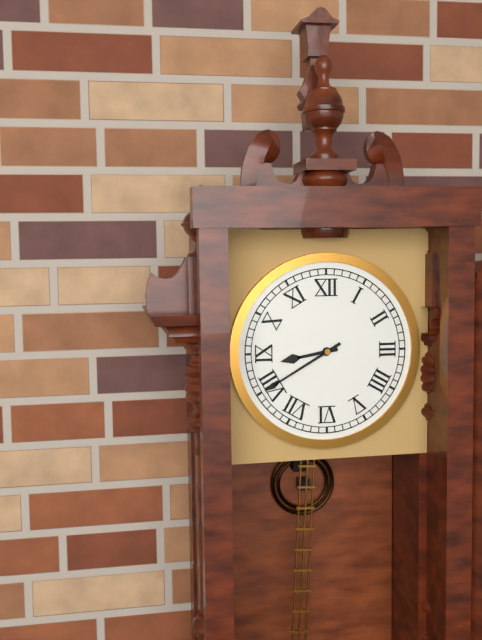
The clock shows 8.40
